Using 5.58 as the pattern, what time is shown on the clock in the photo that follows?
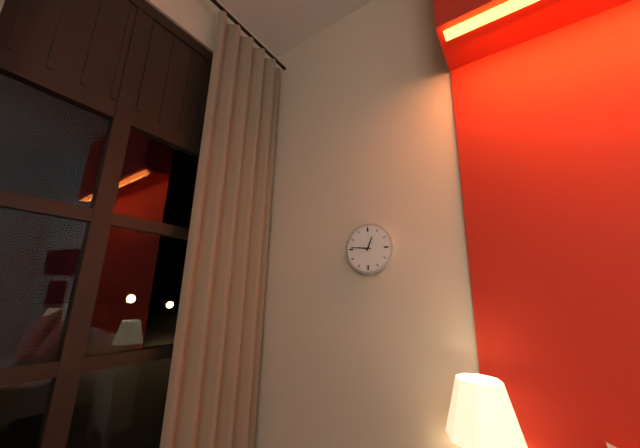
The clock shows 12.46
